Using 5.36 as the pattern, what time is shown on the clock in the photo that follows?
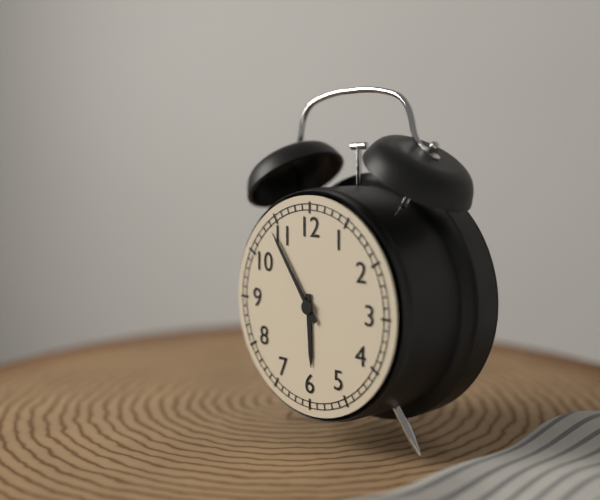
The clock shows 5.54
